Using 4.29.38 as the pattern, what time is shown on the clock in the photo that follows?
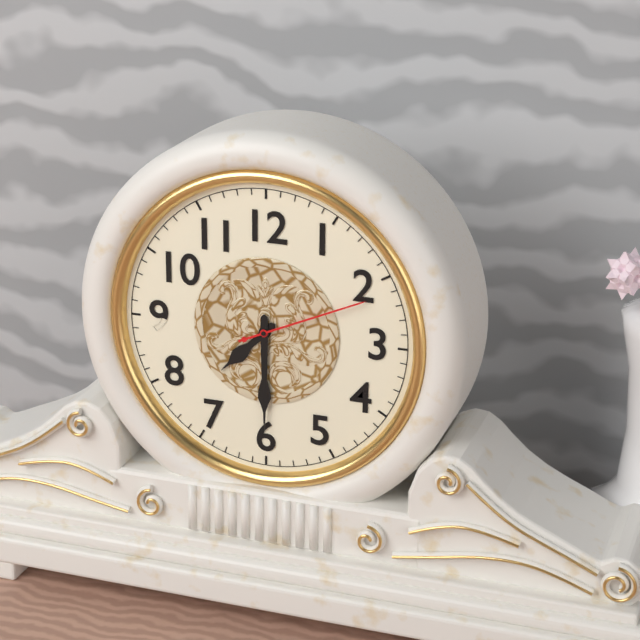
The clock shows 7.30.11
